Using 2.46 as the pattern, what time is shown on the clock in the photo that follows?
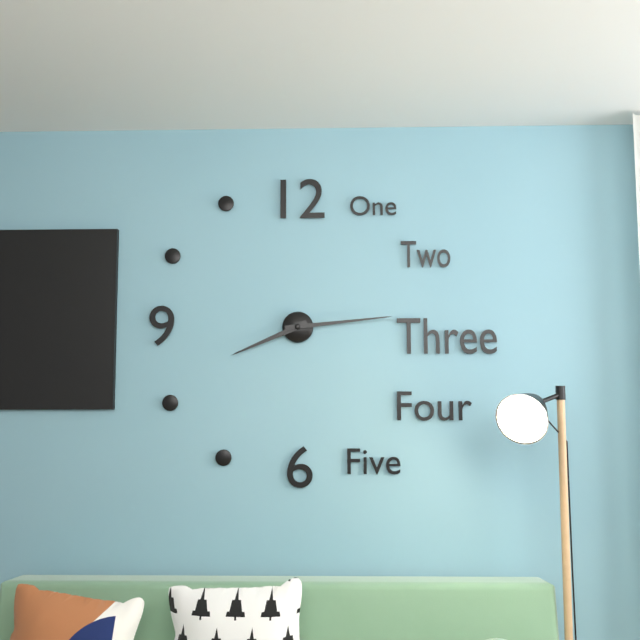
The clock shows 8.14
